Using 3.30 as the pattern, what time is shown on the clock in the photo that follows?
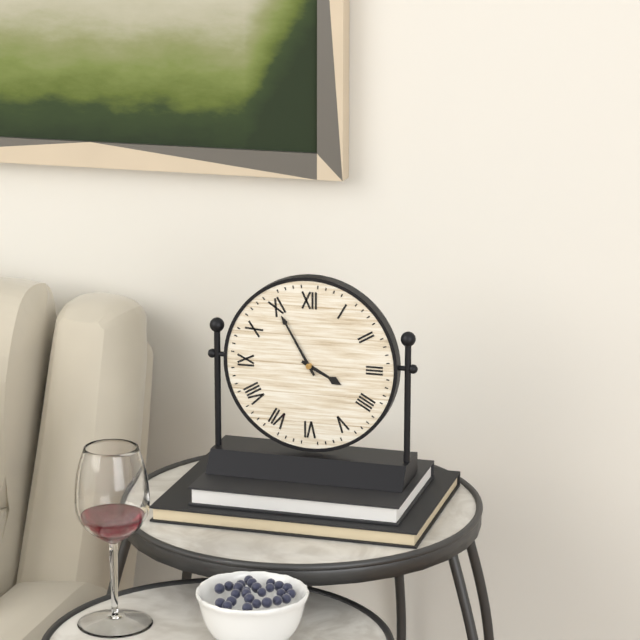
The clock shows 3.55
